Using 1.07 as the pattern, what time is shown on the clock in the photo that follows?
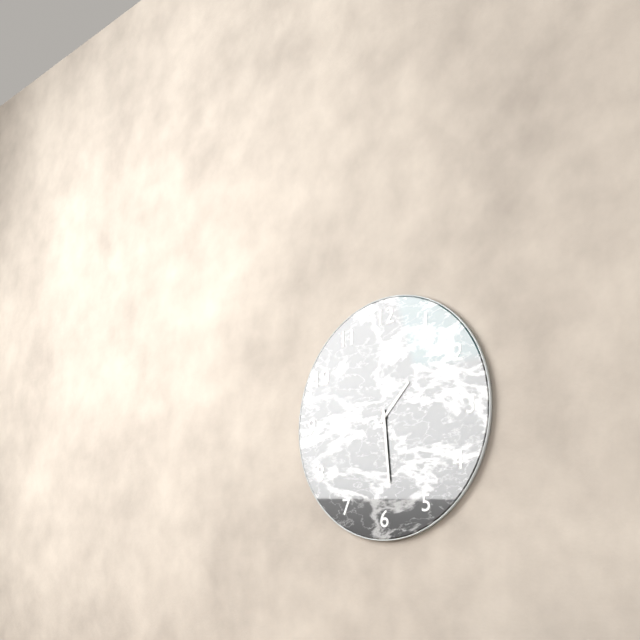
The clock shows 1.29
